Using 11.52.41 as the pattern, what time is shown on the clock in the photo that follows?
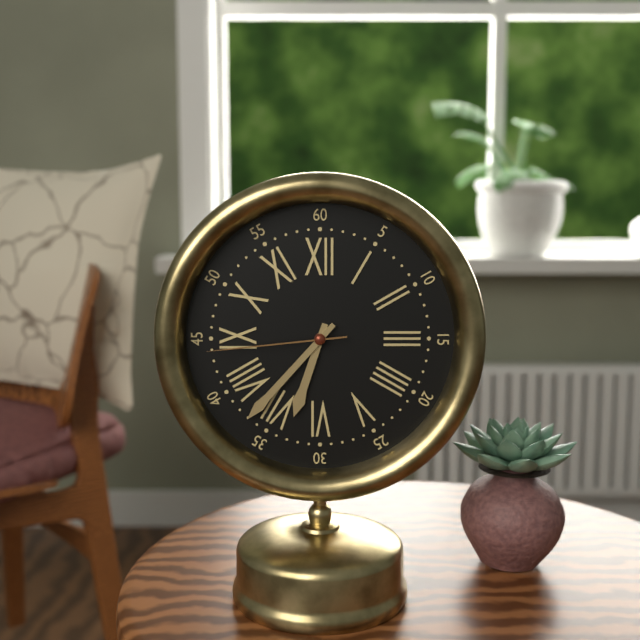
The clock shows 6.37.44
